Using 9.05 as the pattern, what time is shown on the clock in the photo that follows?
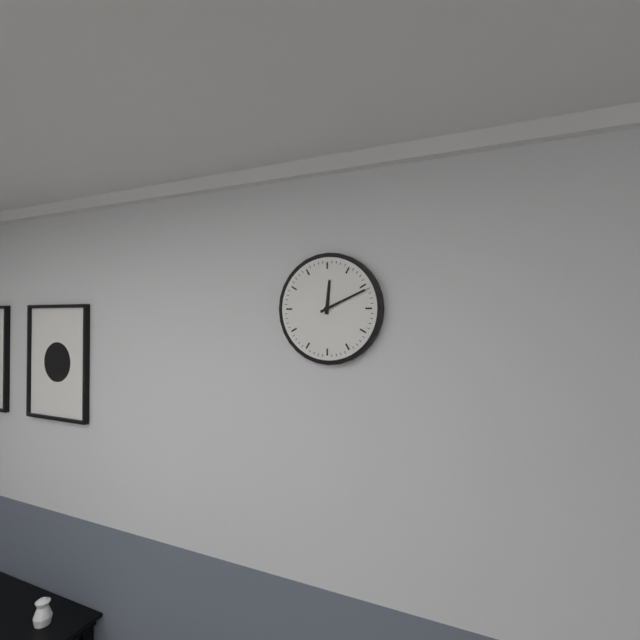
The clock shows 12.11
